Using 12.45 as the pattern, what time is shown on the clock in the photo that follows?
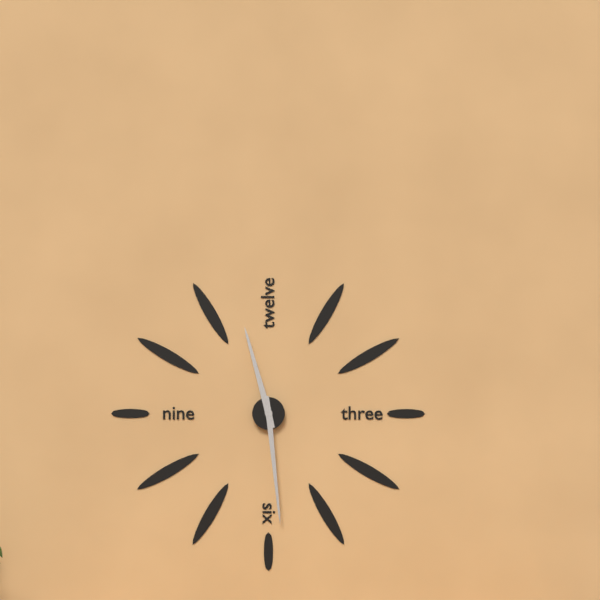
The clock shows 11.29
